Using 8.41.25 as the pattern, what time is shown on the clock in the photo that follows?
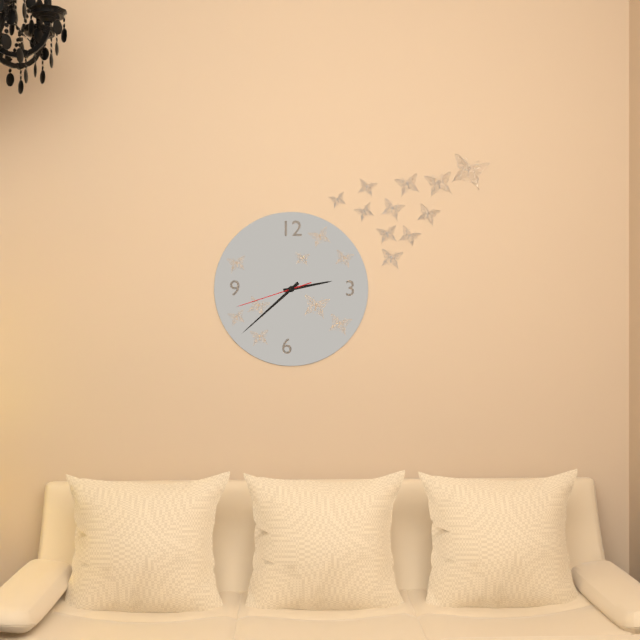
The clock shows 2.38.42
